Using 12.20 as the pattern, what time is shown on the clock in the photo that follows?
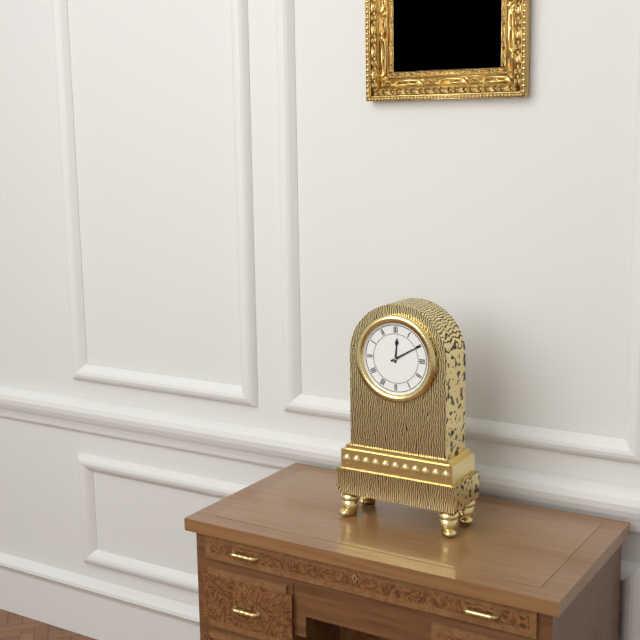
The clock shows 12.10
